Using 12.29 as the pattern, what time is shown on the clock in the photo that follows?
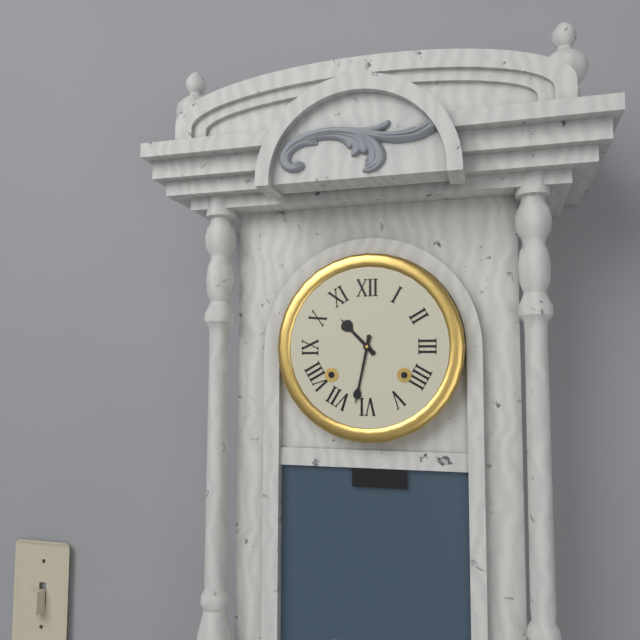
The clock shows 10.32
